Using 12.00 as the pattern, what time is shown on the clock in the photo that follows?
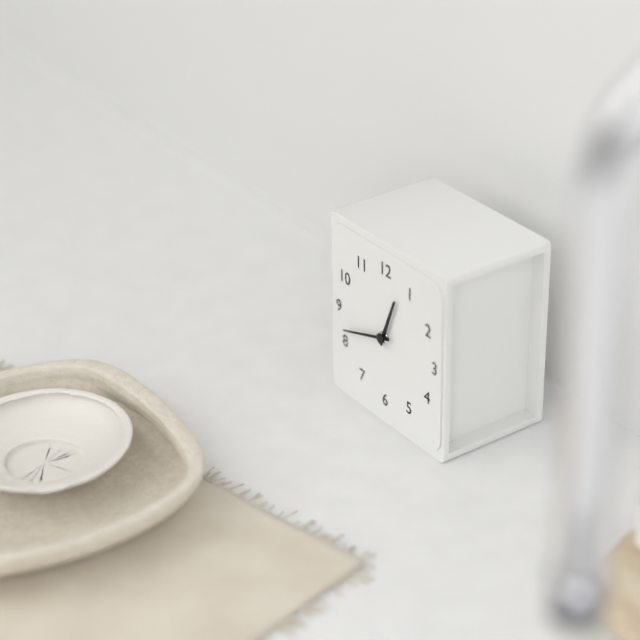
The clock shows 12.42
